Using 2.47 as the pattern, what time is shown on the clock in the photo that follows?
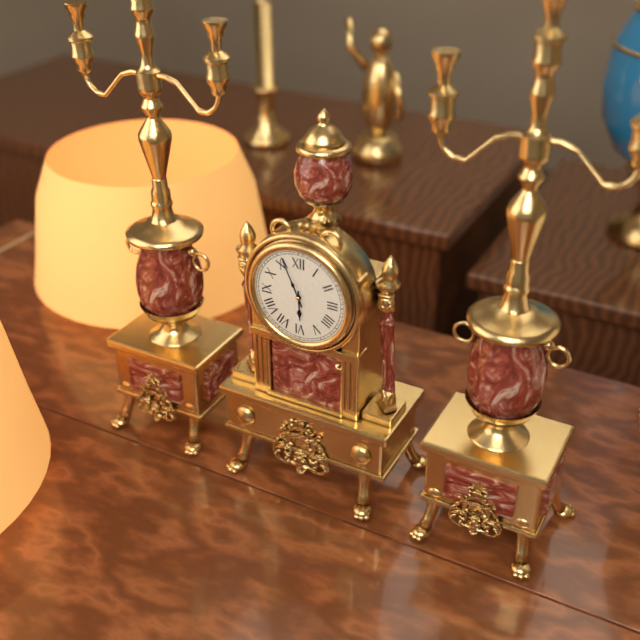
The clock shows 5.56
